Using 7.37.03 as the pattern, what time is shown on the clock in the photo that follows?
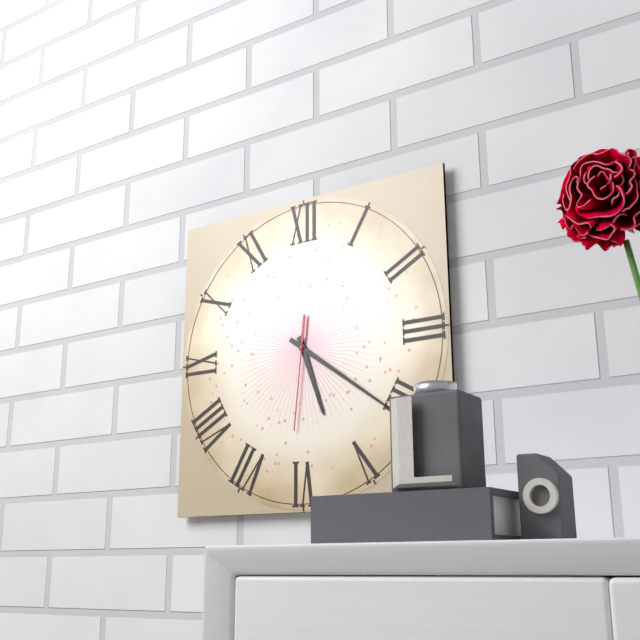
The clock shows 5.21.31
